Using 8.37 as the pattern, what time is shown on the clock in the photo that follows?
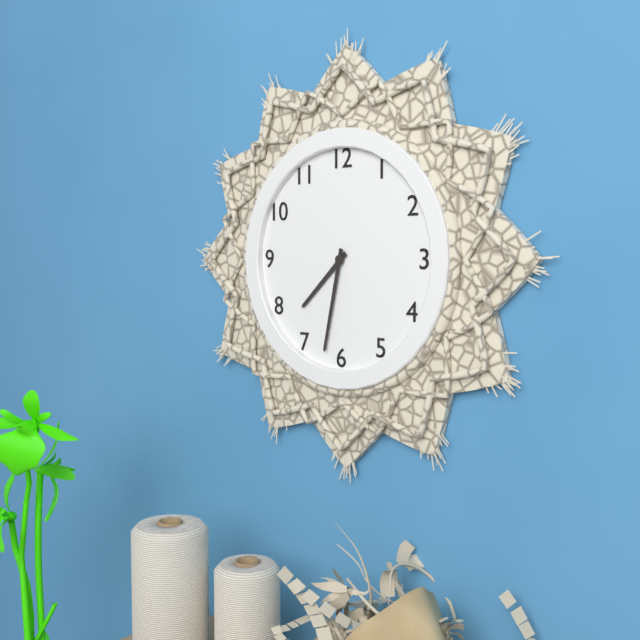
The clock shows 7.32
